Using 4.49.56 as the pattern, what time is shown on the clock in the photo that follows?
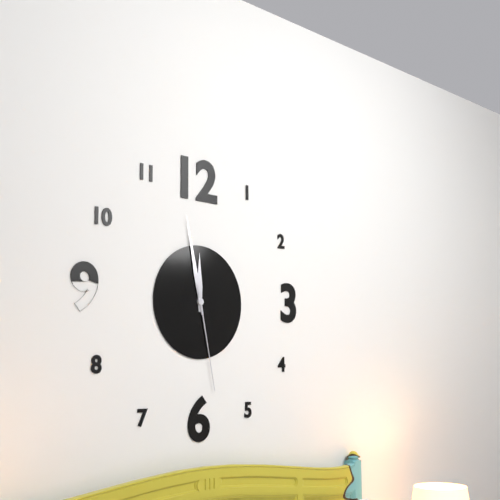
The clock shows 11.58.28
